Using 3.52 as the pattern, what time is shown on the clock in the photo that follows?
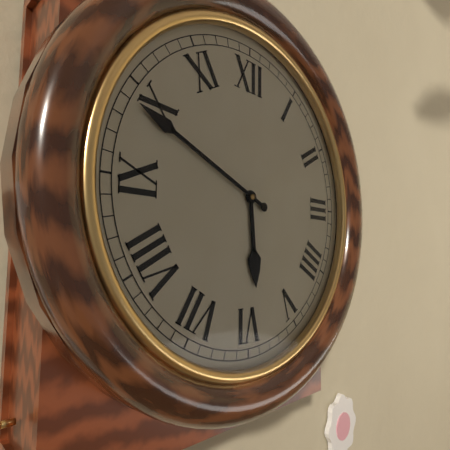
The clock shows 5.49
